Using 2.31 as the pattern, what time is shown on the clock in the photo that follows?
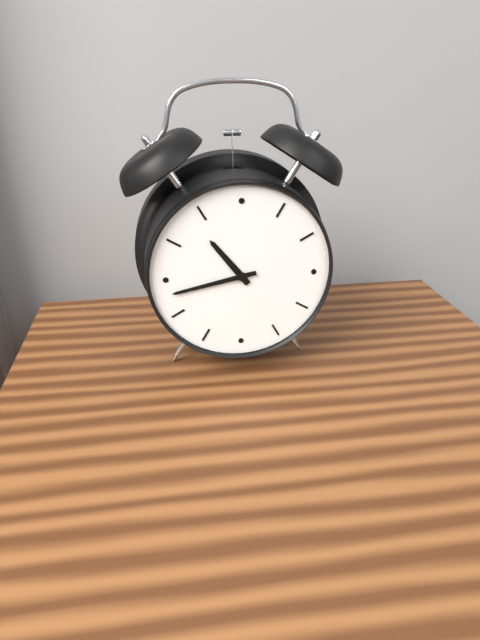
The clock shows 10.43
